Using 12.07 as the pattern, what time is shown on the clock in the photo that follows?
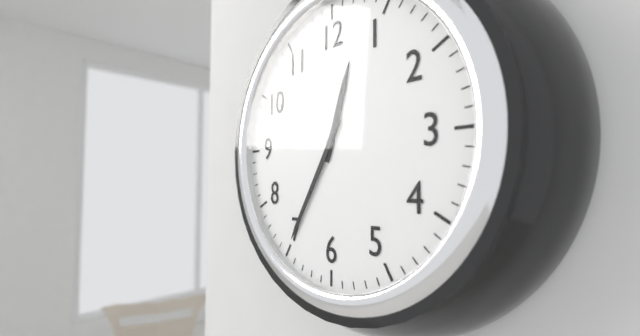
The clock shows 12.35
